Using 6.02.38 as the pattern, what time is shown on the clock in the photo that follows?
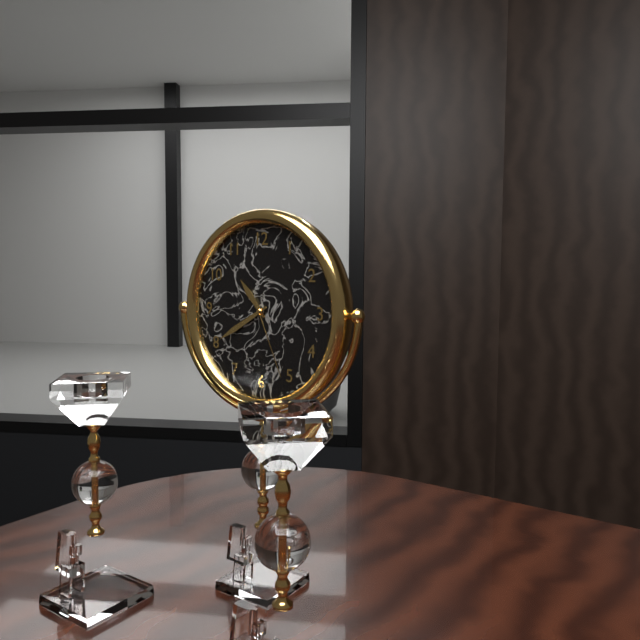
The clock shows 10.40.26
